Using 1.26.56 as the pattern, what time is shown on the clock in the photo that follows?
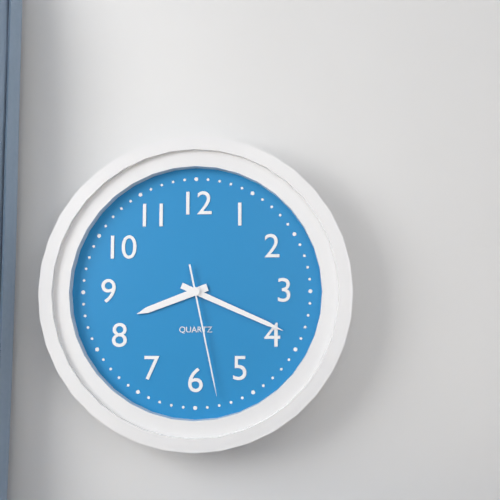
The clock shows 8.19.28
